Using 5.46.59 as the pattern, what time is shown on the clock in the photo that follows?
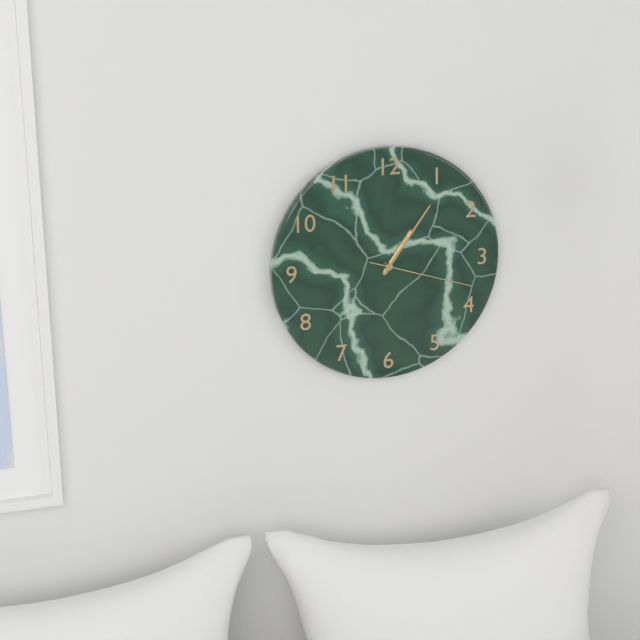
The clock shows 1.06.18
